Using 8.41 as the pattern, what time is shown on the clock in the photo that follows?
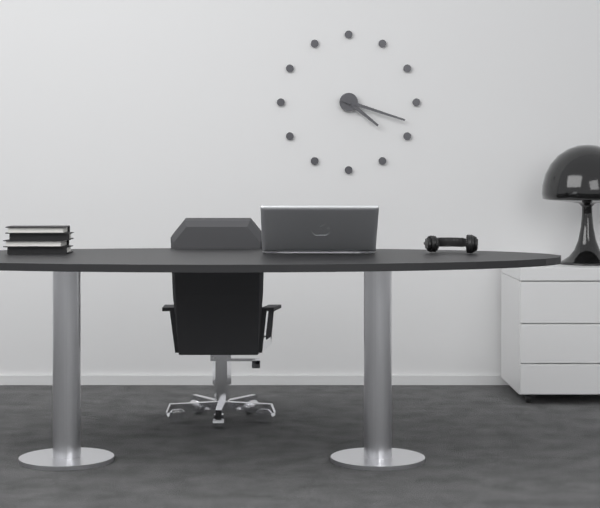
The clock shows 4.18
